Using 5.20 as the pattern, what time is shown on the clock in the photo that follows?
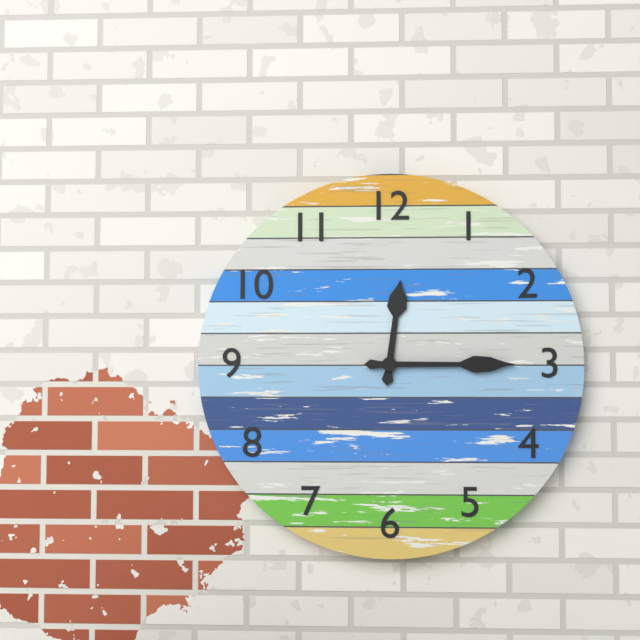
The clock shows 12.15
